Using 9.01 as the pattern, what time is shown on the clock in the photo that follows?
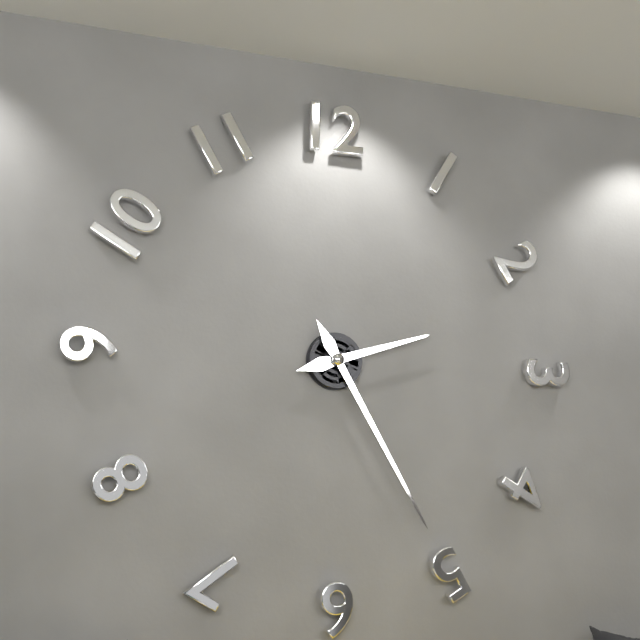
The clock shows 2.25
